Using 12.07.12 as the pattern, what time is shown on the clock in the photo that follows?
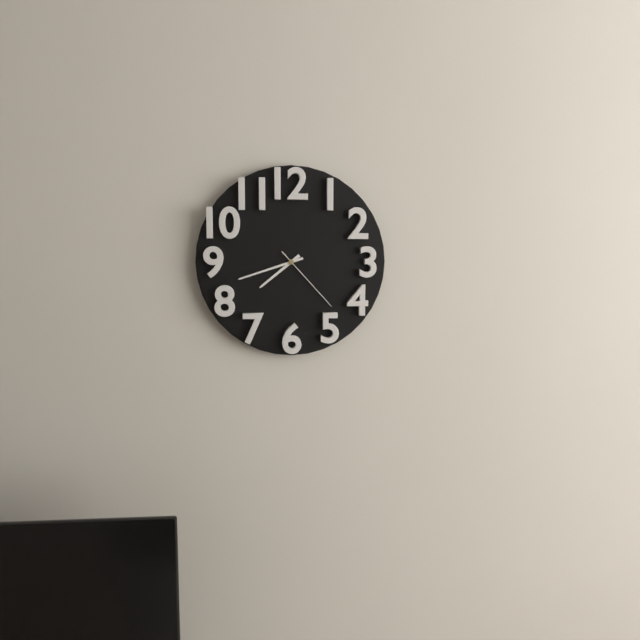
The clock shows 7.42.23
